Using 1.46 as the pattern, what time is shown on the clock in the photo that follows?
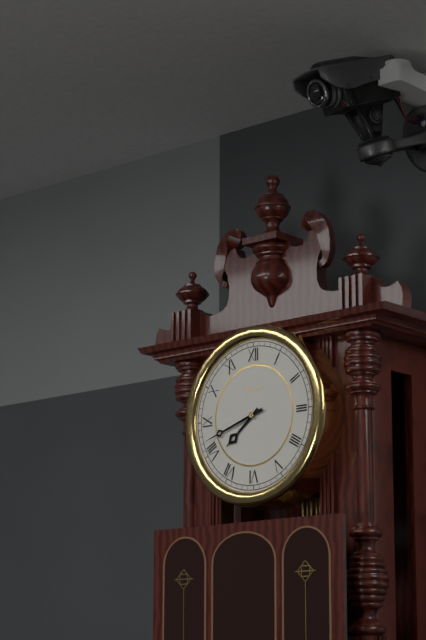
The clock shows 7.42
